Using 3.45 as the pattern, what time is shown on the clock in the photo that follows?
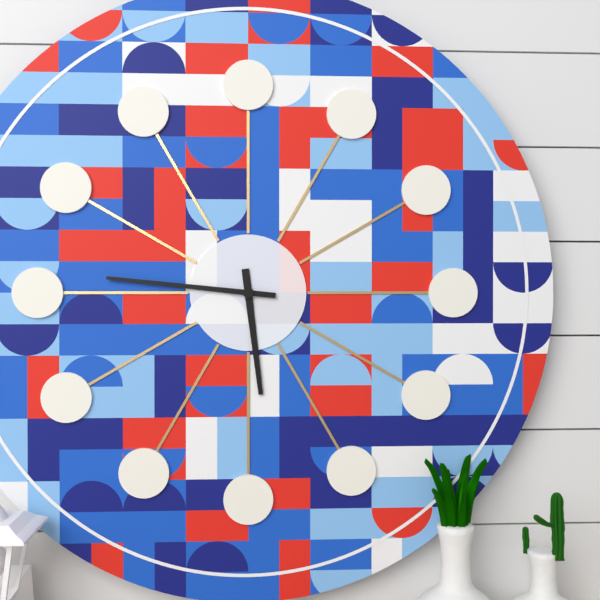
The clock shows 5.46
